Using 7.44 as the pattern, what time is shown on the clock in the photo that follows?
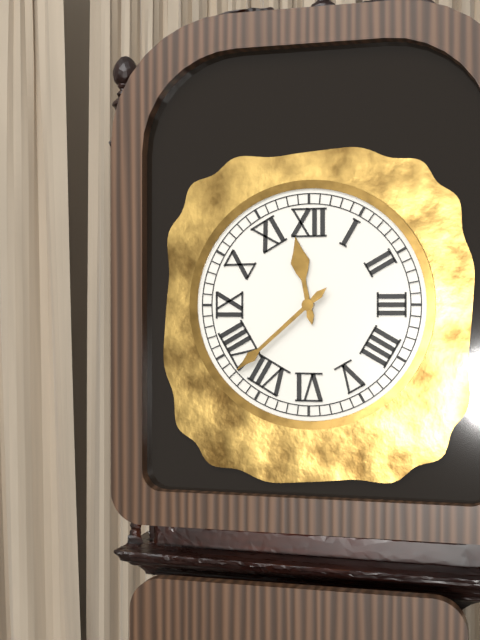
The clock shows 11.38
